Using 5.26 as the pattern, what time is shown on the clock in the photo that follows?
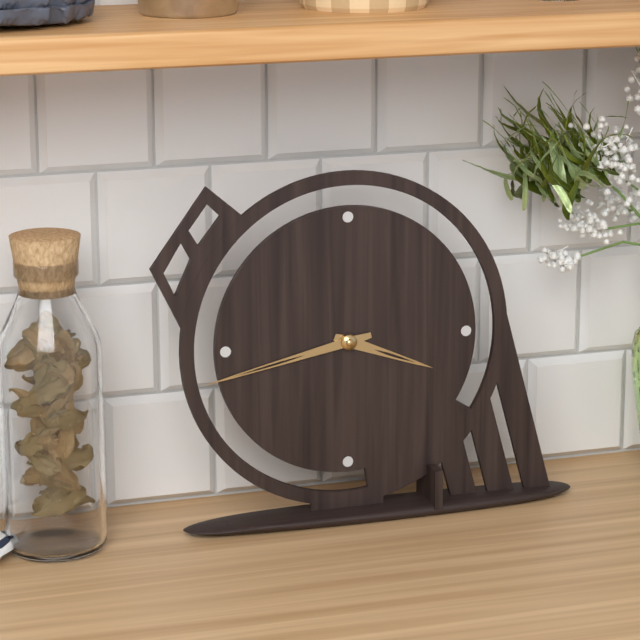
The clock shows 3.43
